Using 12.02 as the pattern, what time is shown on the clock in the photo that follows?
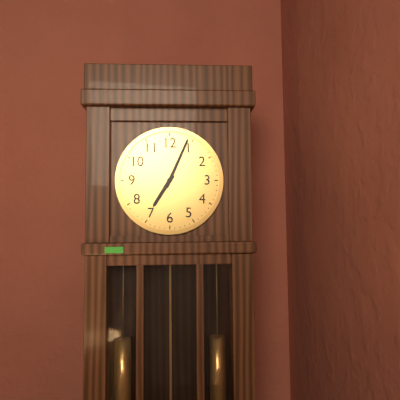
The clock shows 7.04
